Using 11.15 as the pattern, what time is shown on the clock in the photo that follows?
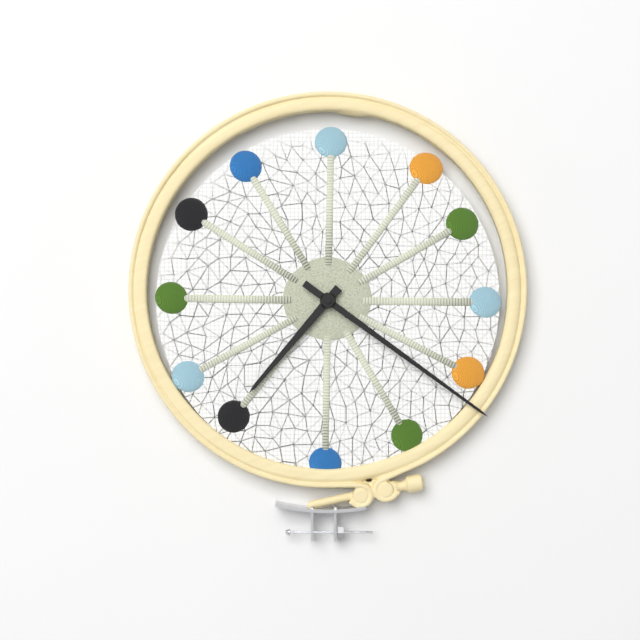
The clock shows 7.21
